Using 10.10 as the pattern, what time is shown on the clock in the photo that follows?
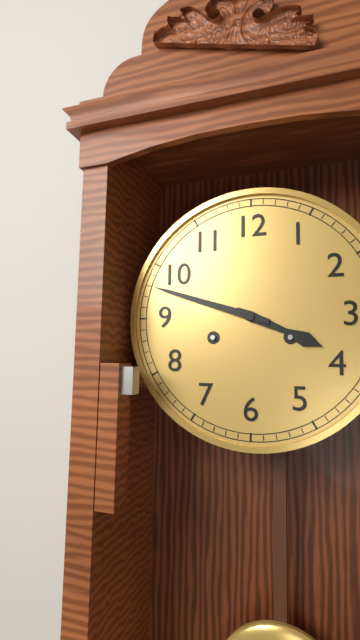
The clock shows 3.48
